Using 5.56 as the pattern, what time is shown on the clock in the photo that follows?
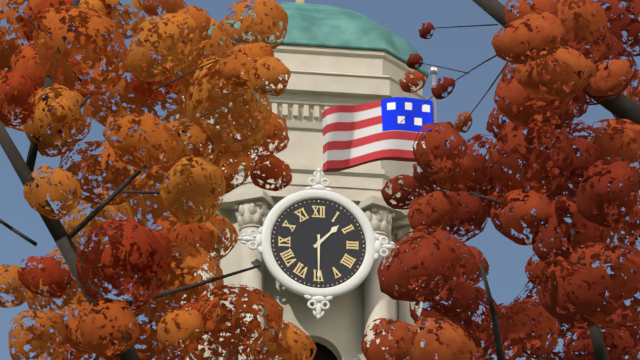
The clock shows 1.30
